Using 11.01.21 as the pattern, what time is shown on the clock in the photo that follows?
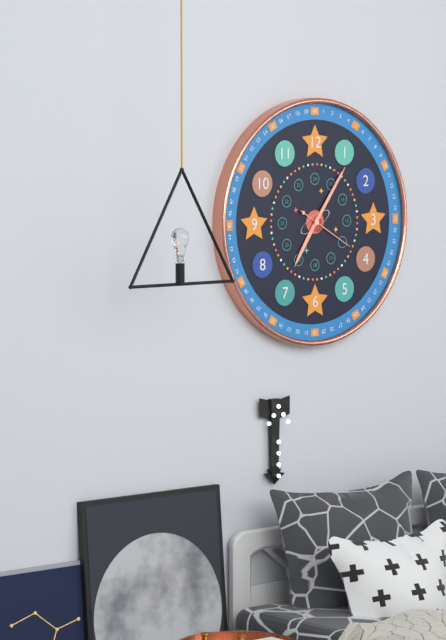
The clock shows 7.06.20
